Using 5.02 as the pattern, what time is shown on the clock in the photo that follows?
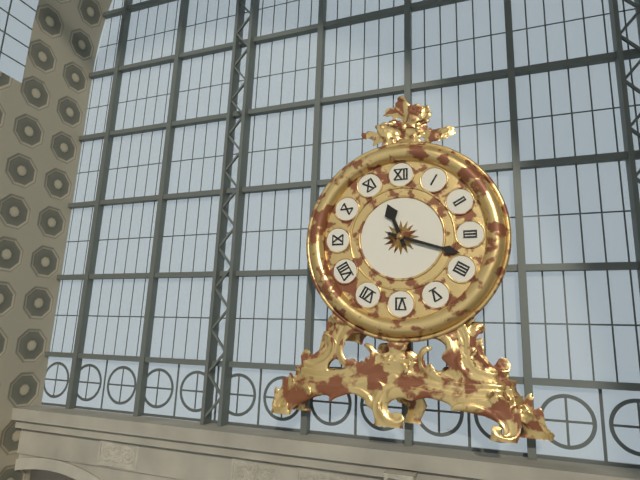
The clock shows 11.18
